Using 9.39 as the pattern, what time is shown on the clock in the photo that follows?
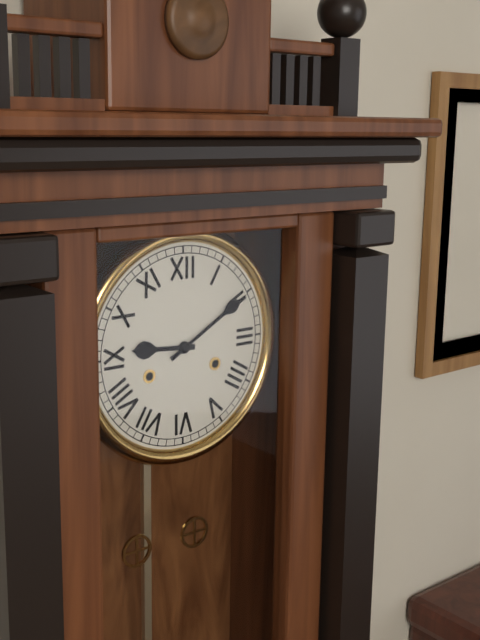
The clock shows 9.10
